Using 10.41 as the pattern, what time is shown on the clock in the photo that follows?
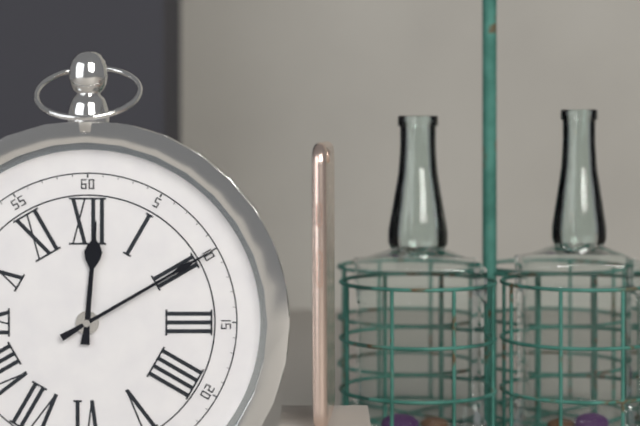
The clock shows 12.10
